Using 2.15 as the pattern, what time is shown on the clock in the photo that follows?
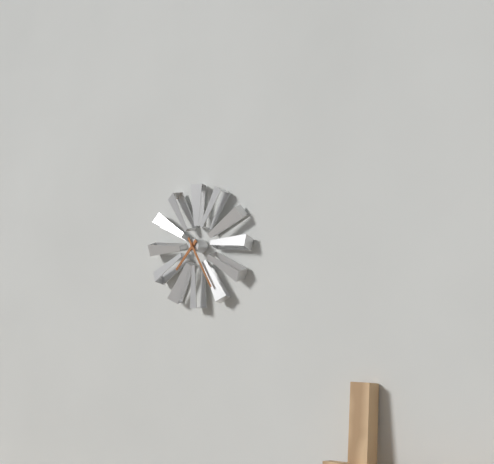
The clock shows 7.25
